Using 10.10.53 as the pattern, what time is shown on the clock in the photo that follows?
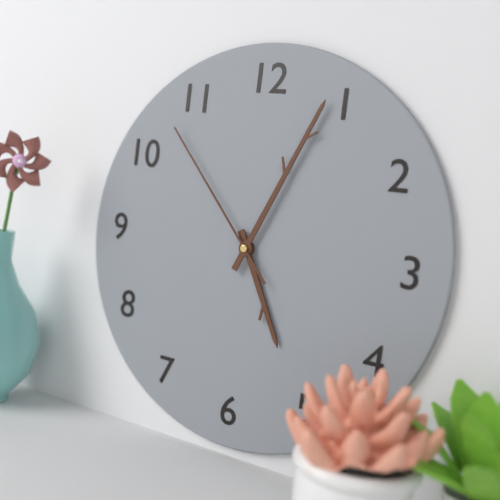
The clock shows 5.04.53
